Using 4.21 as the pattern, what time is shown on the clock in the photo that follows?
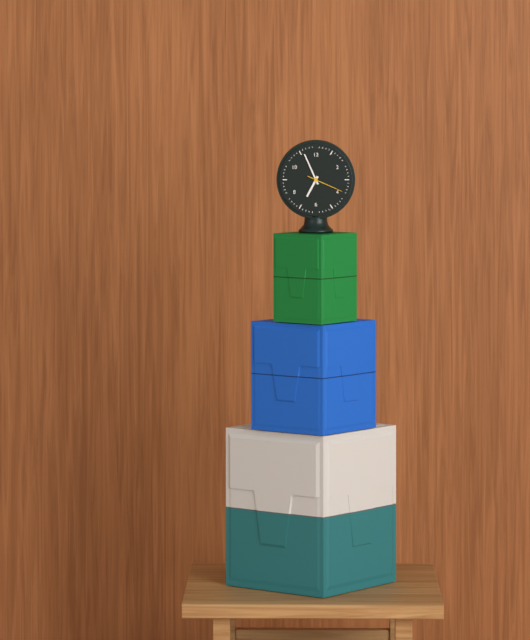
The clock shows 6.56
